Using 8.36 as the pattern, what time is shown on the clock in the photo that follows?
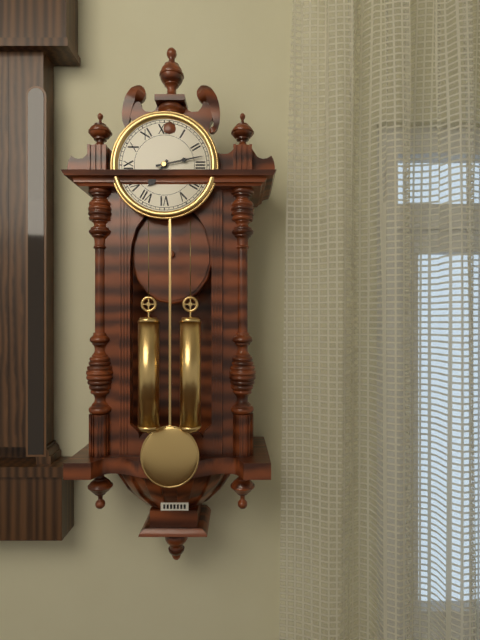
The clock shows 7.13
